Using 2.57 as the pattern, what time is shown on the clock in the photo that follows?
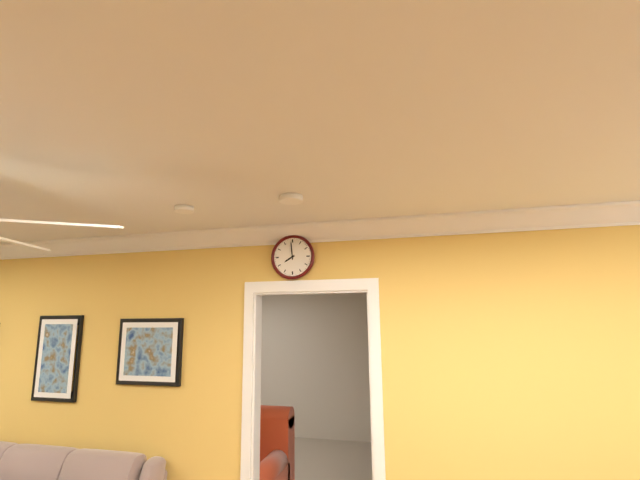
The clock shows 7.59
